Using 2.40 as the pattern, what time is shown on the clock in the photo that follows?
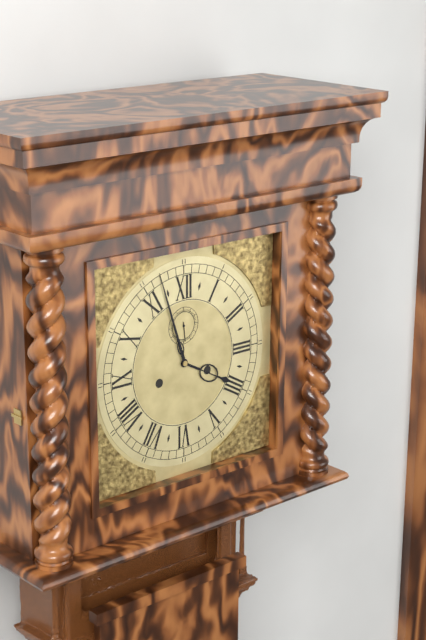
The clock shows 3.57
